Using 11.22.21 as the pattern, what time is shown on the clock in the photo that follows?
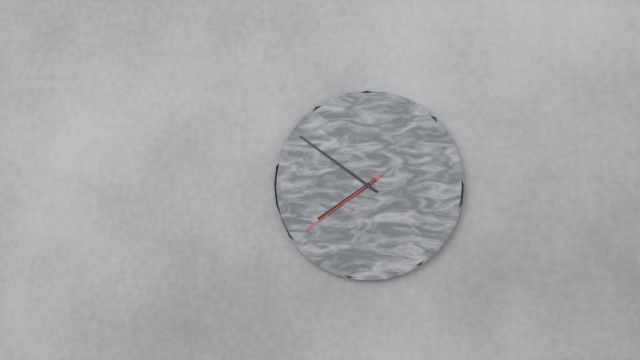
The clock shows 7.51.39
